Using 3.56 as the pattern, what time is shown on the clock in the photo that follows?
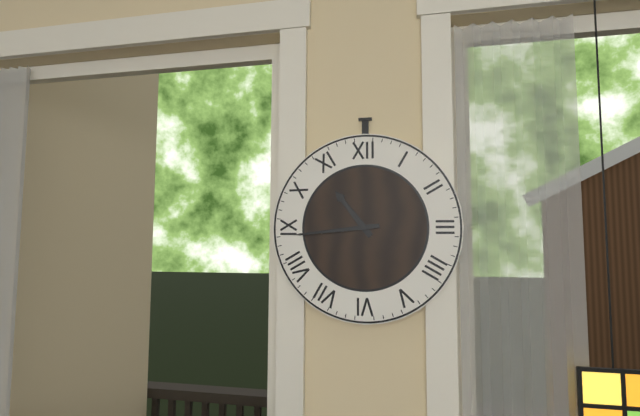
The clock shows 10.44
